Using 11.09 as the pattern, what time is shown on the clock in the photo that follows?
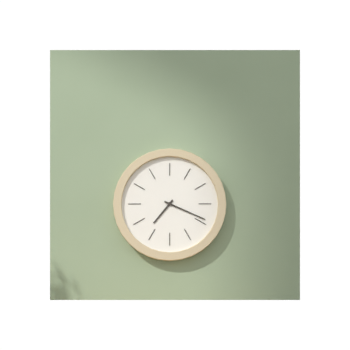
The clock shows 7.19
